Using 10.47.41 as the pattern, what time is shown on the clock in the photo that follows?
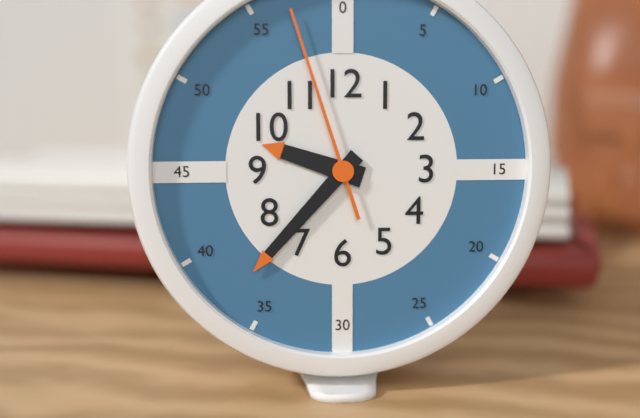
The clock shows 9.37.57
